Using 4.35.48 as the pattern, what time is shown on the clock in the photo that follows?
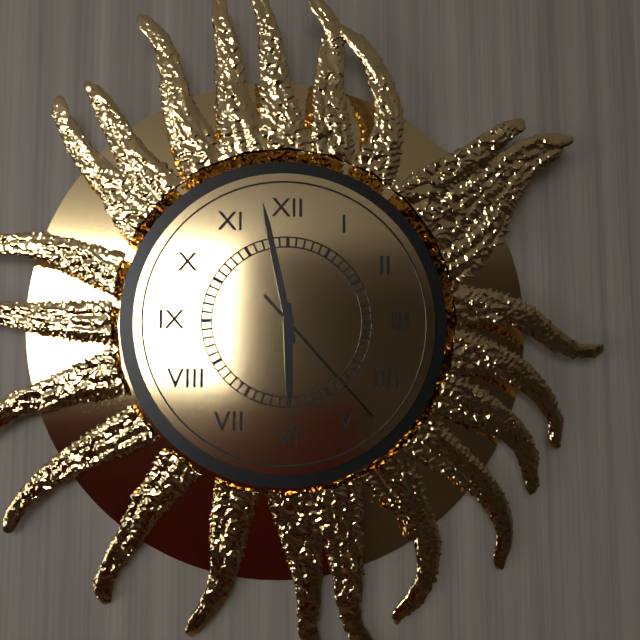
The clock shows 5.58.23
